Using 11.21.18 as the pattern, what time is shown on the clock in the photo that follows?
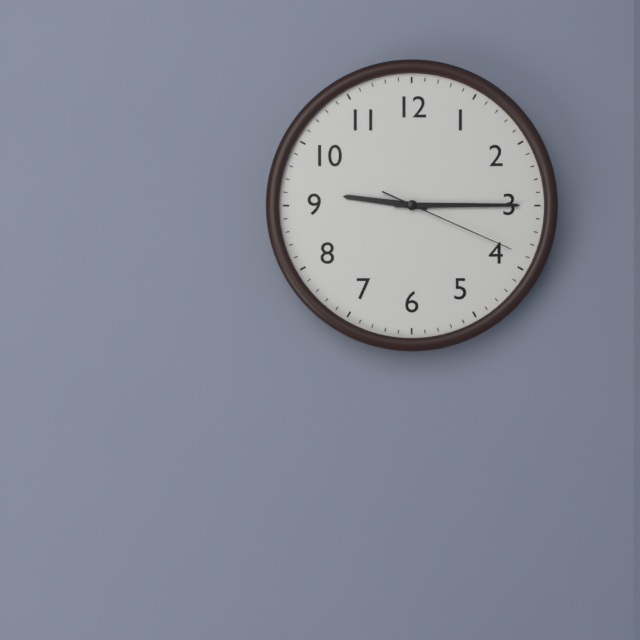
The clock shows 9.15.19
